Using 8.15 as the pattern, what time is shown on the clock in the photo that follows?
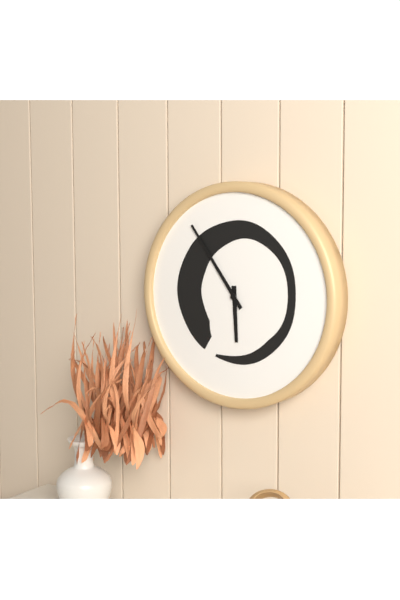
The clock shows 5.54
